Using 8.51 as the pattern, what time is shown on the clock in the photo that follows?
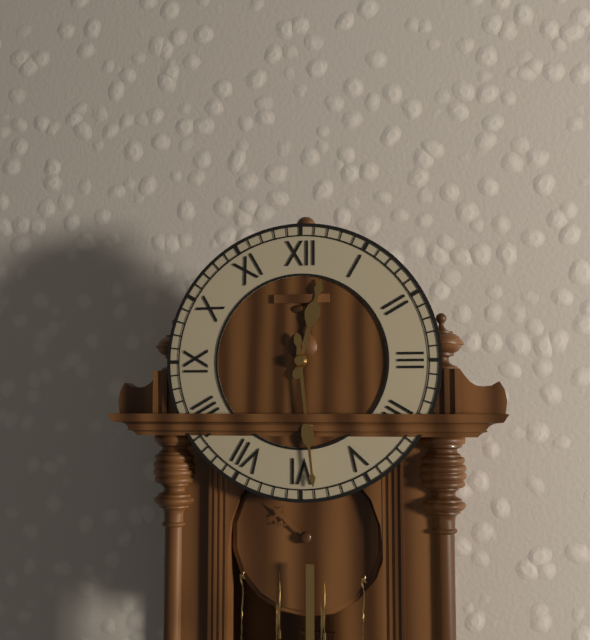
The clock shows 12.29
